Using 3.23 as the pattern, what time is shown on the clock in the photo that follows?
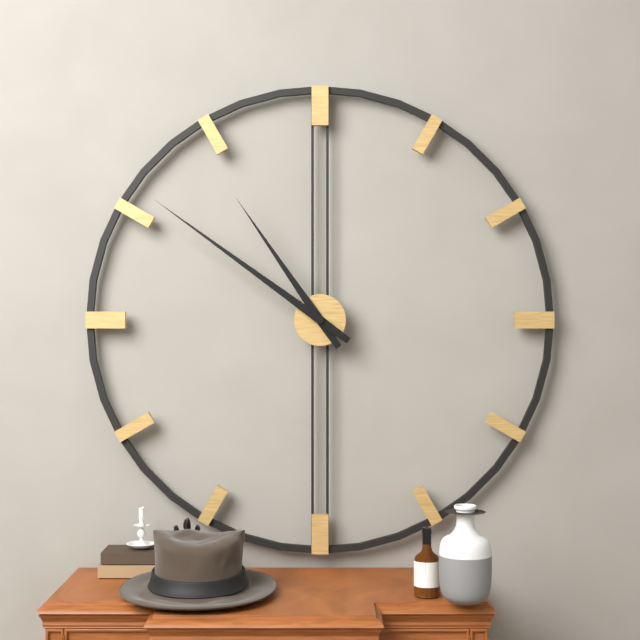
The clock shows 10.51
